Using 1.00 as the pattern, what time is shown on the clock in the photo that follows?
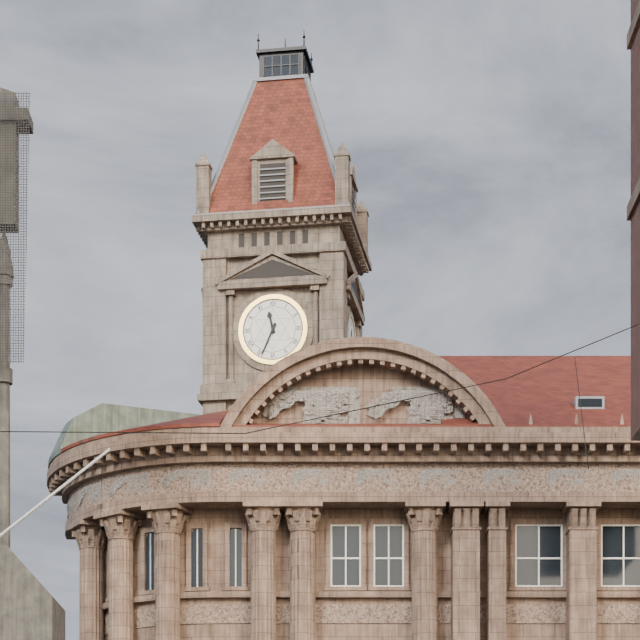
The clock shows 11.34
